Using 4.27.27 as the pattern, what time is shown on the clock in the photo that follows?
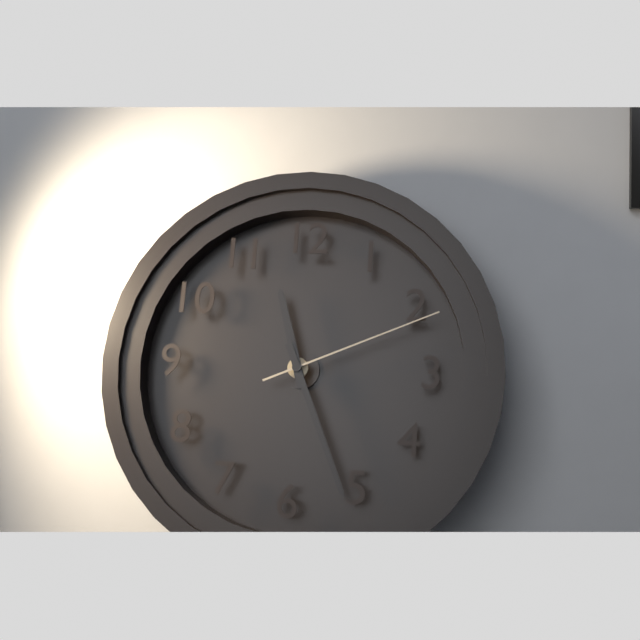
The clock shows 11.26.11
